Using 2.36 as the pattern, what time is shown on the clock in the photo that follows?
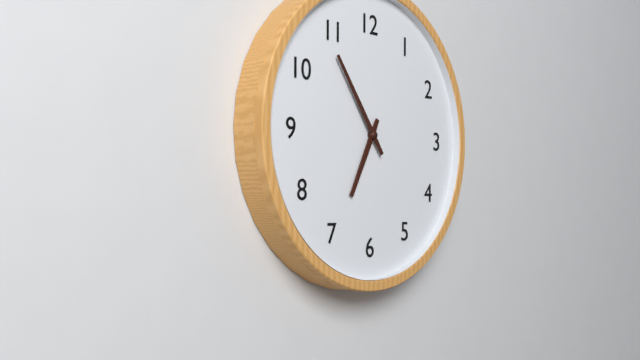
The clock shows 6.54
